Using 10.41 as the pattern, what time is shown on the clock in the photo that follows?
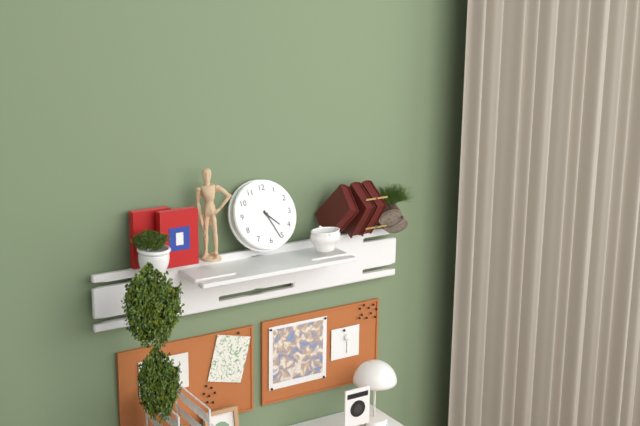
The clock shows 4.26
